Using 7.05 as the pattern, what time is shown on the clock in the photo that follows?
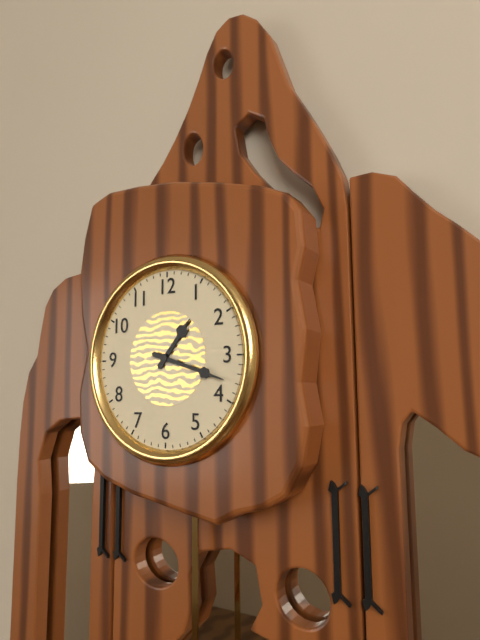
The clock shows 1.18
